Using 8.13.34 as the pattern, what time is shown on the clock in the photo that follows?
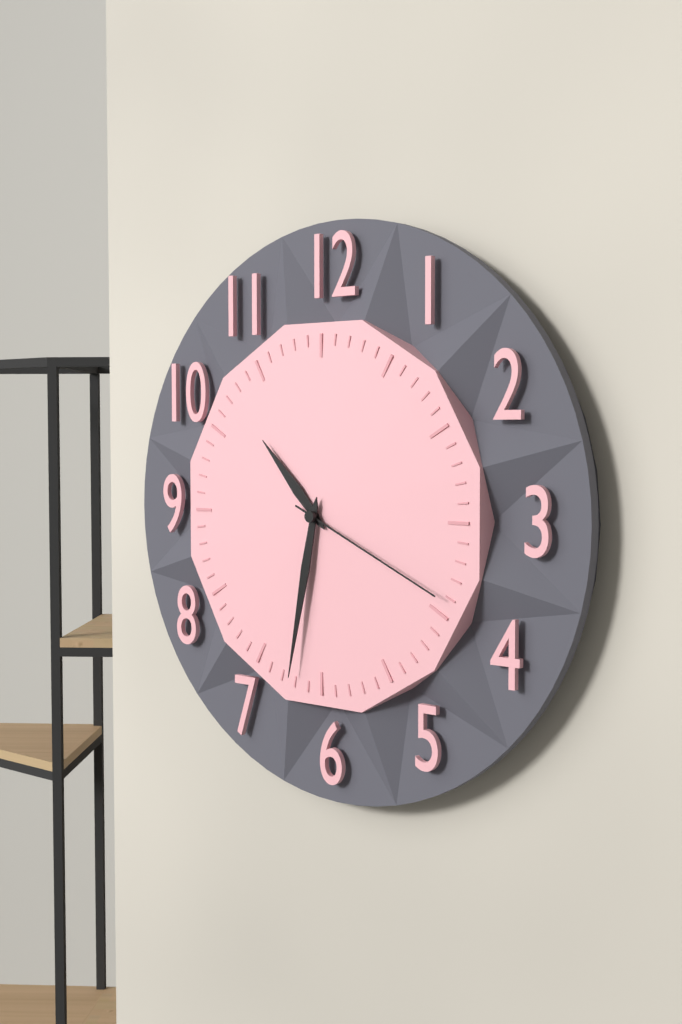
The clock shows 10.32.19
